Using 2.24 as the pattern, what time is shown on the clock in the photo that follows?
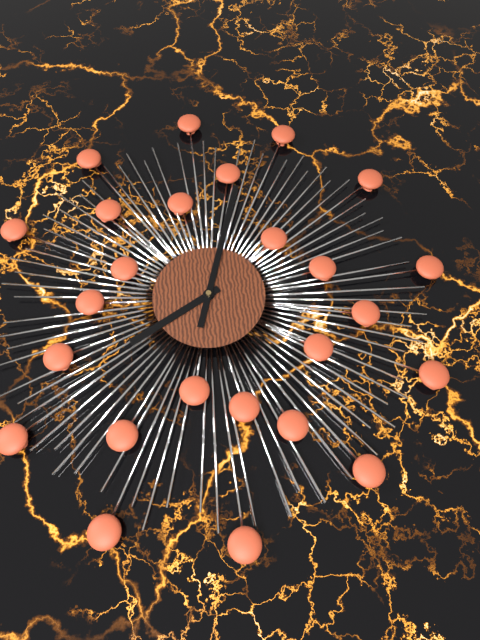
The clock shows 8.03
